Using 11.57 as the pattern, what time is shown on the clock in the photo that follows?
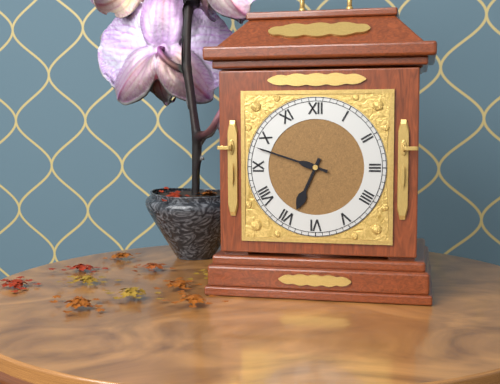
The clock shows 6.48
